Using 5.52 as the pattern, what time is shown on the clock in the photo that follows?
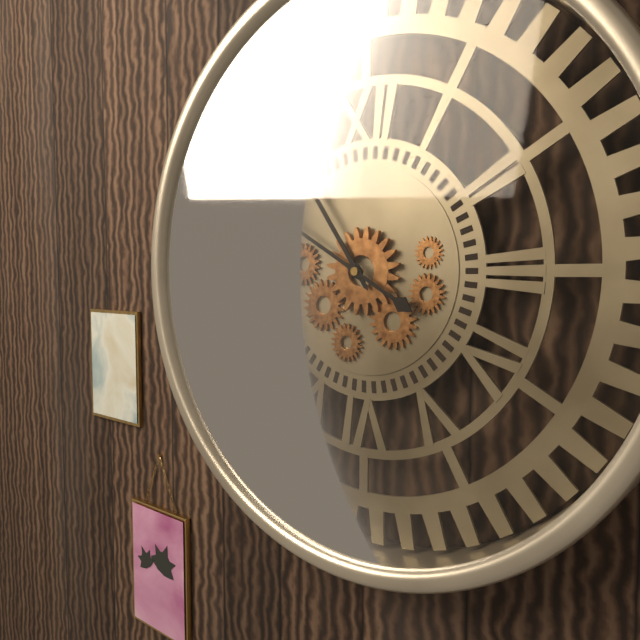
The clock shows 10.50
